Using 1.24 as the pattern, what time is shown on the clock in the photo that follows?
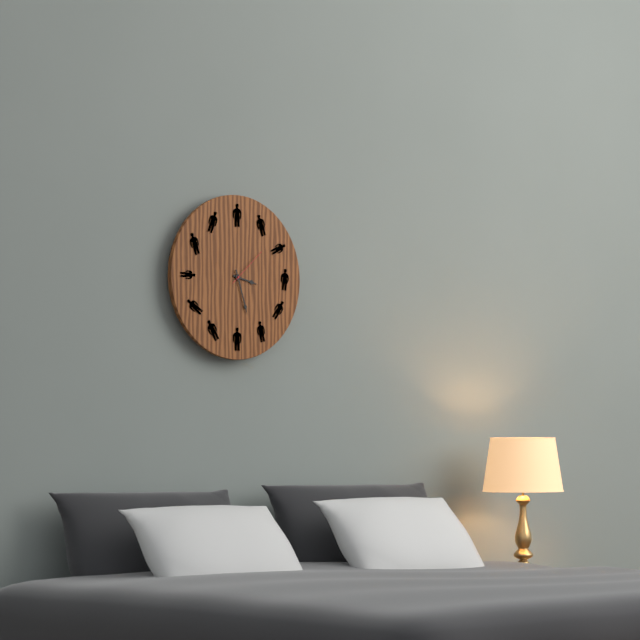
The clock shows 3.27
